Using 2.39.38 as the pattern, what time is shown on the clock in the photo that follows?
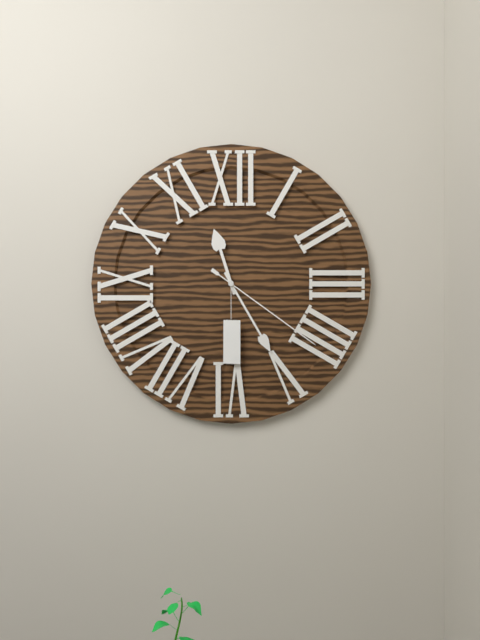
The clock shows 11.25.21
